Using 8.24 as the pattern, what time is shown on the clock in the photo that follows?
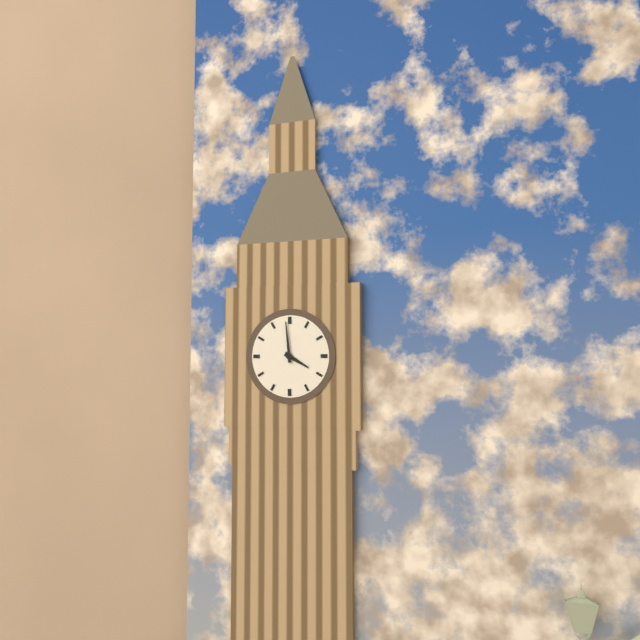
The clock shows 3.59
